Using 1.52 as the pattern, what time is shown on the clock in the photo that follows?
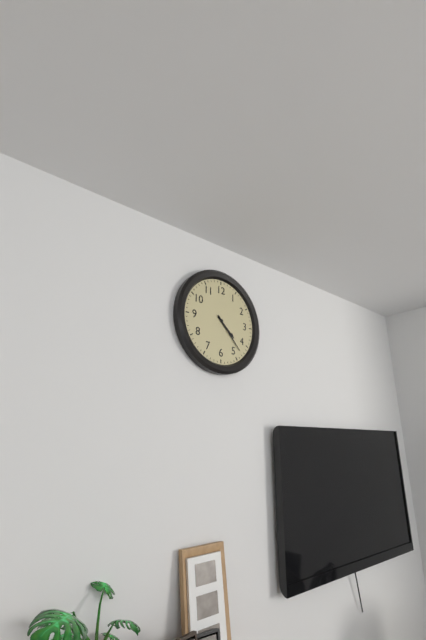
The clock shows 4.23
